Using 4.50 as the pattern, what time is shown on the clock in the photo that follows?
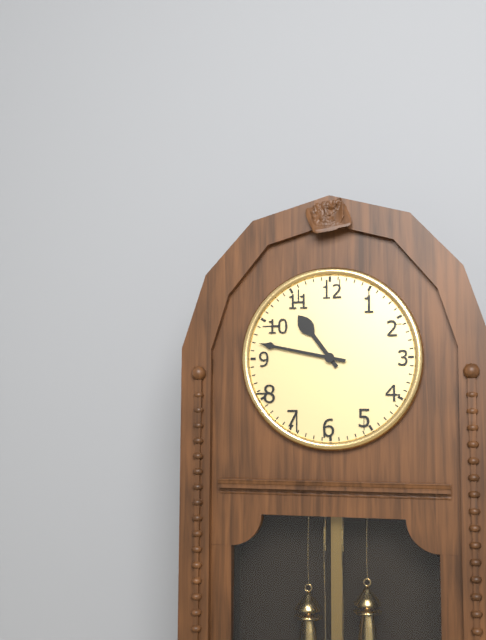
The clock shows 10.47
